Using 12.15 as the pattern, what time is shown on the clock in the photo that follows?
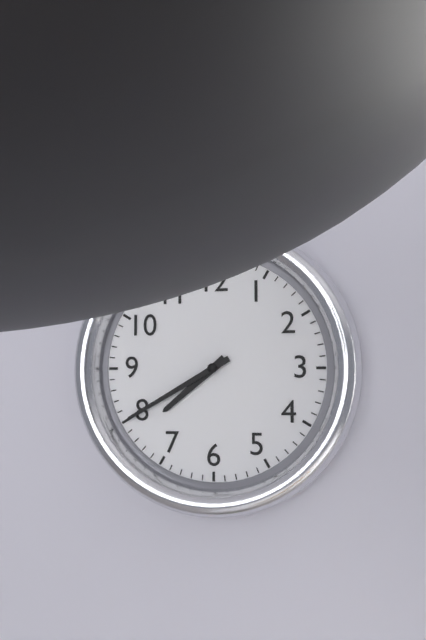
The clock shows 7.40
